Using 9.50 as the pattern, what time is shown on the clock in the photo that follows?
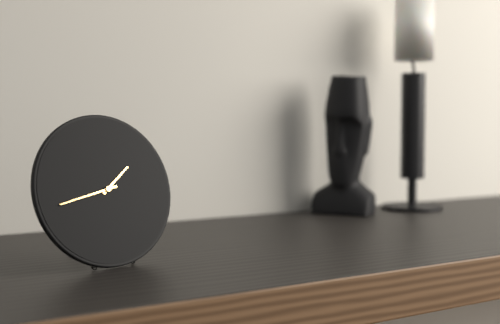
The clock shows 1.43
